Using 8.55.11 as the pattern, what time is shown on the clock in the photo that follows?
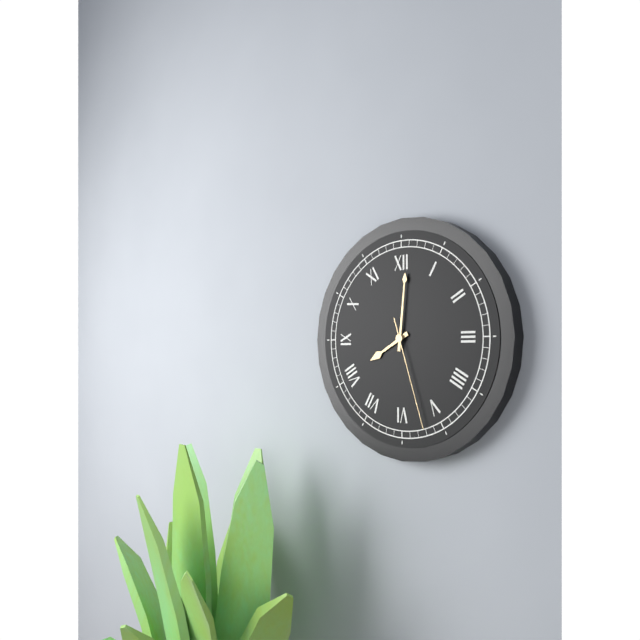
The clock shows 8.01.27
